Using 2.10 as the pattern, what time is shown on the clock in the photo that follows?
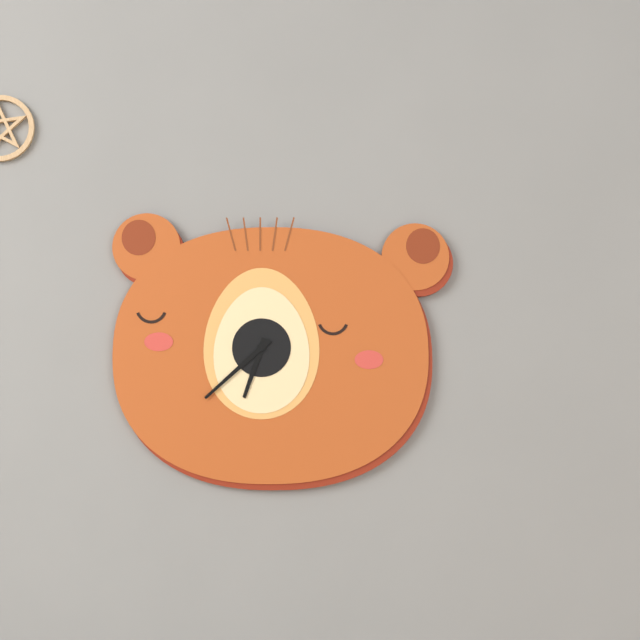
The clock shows 6.38
